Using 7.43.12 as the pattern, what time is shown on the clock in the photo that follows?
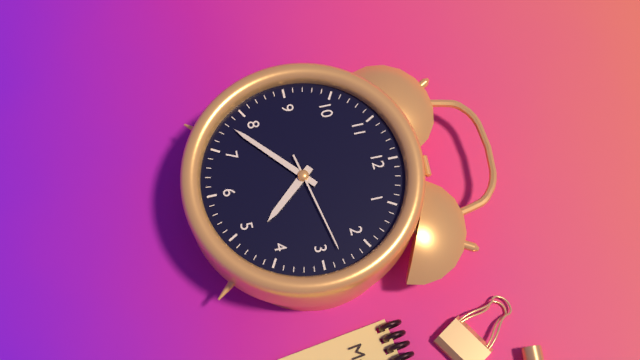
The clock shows 4.38.13
